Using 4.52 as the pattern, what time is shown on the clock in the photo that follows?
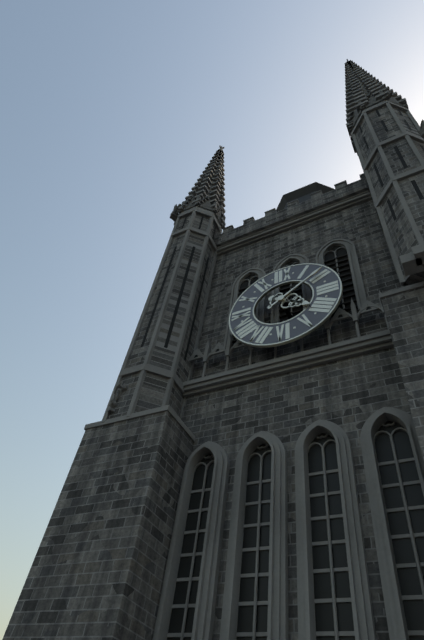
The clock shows 4.09
